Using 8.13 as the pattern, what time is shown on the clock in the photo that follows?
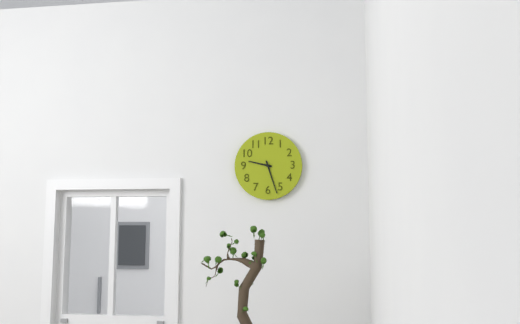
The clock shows 9.27
